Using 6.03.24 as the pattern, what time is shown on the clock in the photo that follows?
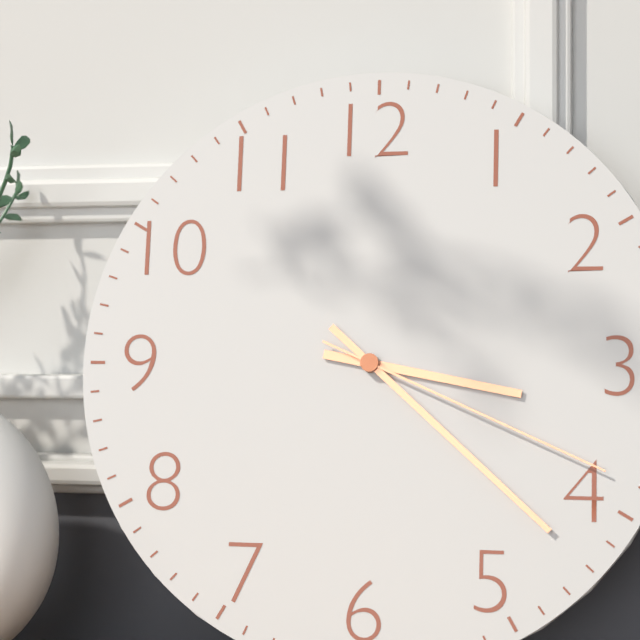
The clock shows 3.22.19
